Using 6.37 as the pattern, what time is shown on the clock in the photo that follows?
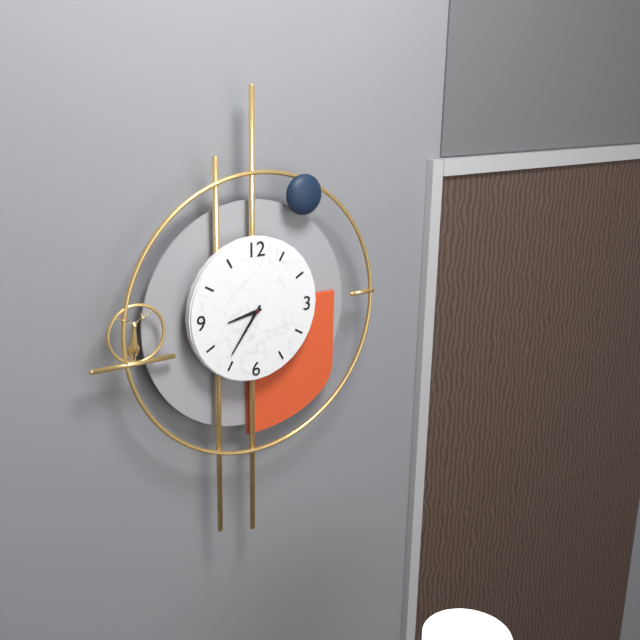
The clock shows 8.36
